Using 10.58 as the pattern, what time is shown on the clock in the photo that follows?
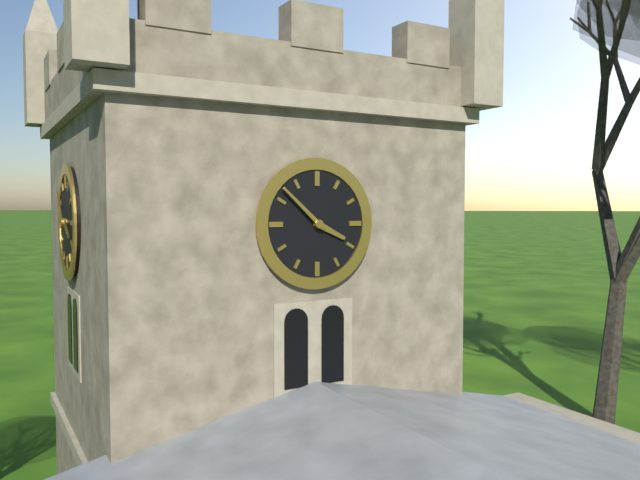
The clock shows 3.52
